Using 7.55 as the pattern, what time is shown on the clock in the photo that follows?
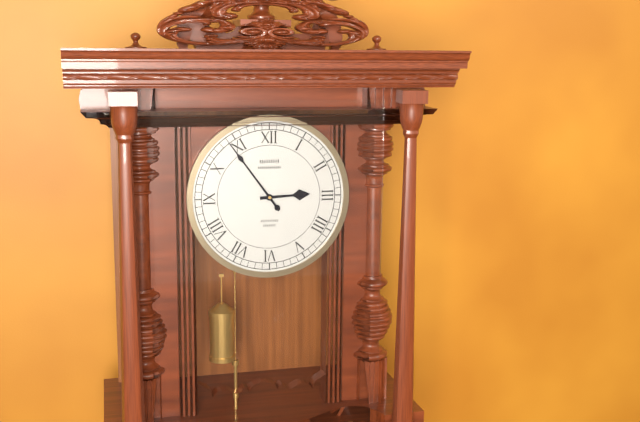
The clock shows 2.54
